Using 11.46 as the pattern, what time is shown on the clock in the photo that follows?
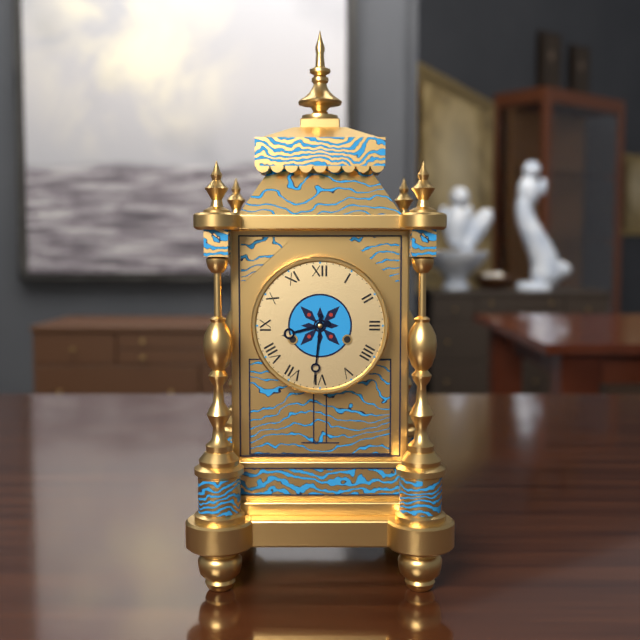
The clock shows 8.31
